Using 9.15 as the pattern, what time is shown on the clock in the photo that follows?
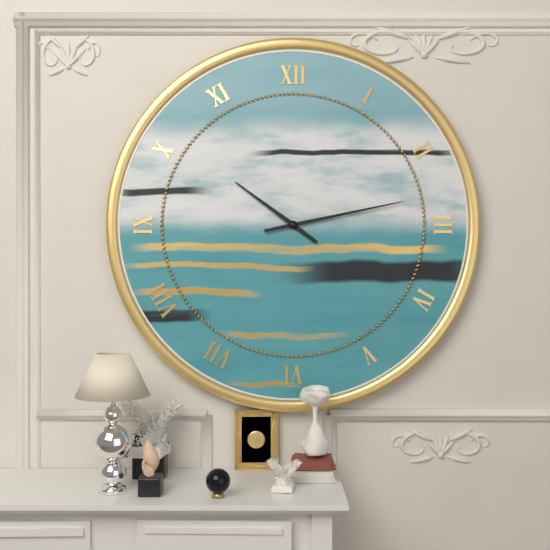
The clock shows 10.13
